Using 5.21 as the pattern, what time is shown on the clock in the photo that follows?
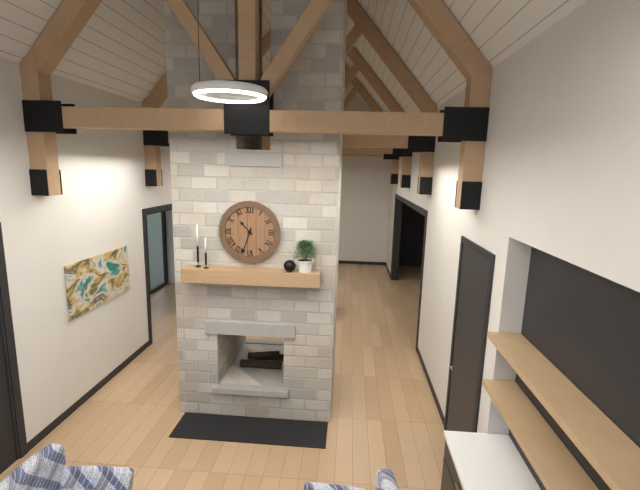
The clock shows 10.33
